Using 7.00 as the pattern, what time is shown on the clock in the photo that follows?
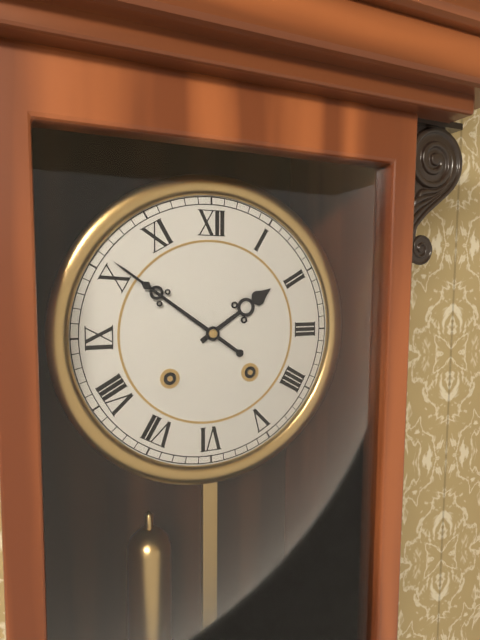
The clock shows 1.51
